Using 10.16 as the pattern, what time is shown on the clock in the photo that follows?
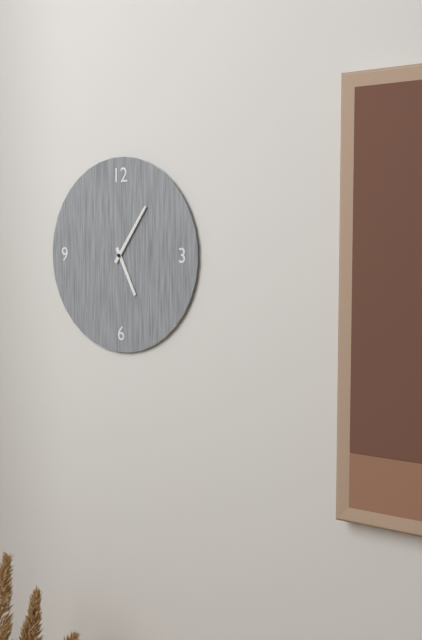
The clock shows 5.06
